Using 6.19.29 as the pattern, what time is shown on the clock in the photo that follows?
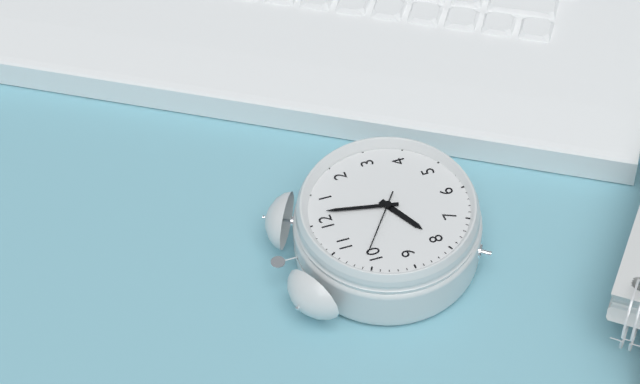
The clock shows 8.02.51
